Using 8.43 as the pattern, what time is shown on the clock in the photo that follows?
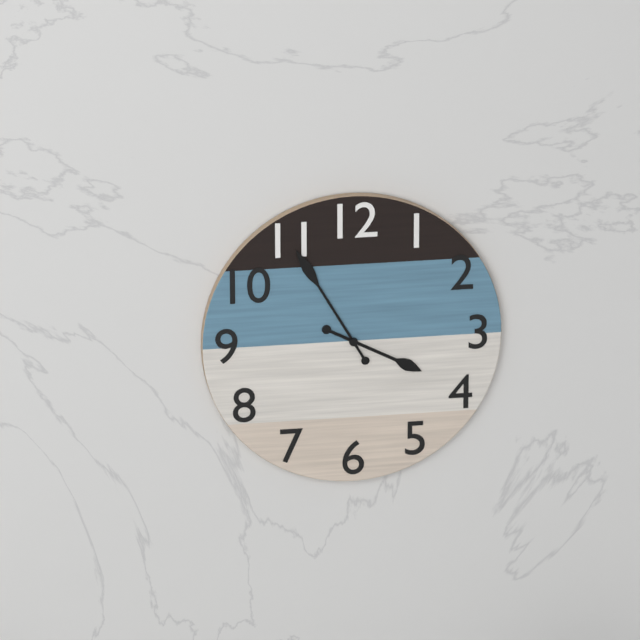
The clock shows 3.55
